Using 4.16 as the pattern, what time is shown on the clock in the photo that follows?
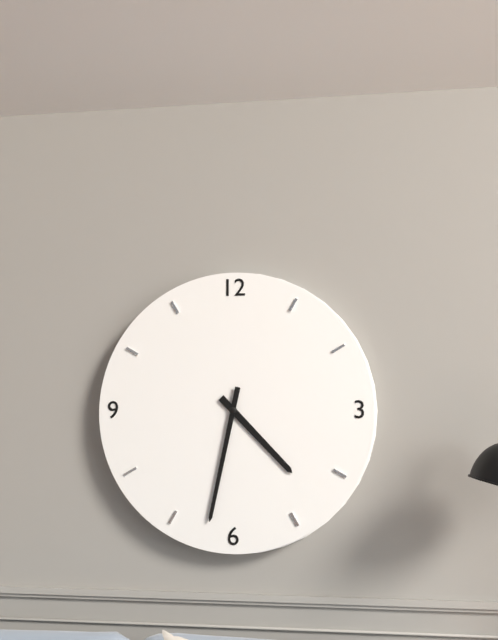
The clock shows 4.32
